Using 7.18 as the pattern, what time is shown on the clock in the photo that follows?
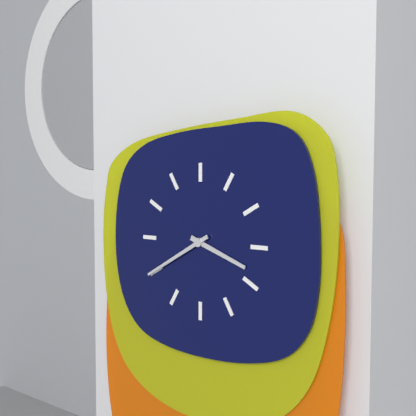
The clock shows 3.40
